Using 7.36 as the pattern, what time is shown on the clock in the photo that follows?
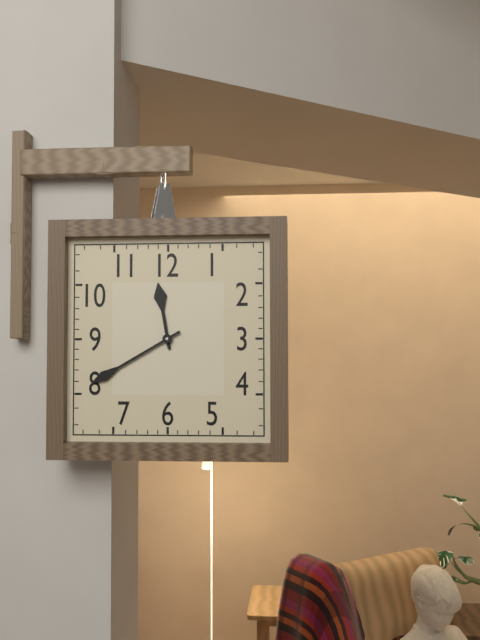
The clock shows 11.40
